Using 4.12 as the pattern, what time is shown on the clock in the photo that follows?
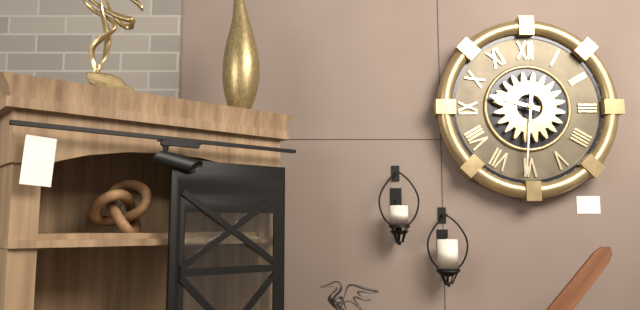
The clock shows 9.31
